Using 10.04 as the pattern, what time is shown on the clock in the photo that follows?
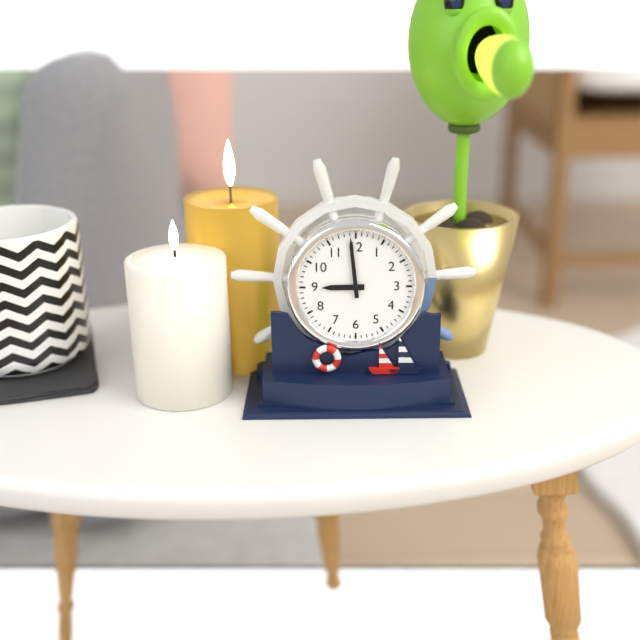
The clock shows 8.59
